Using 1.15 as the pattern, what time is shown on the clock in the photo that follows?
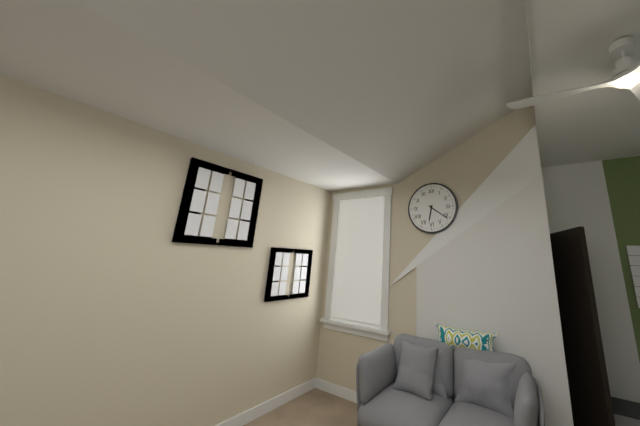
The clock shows 6.21
